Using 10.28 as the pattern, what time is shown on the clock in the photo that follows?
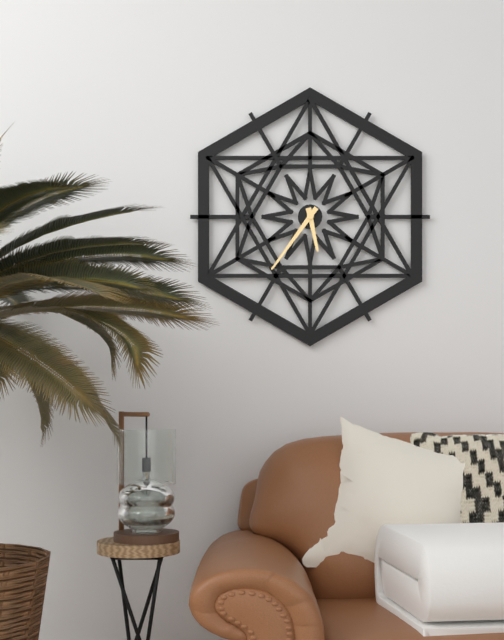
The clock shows 5.36
